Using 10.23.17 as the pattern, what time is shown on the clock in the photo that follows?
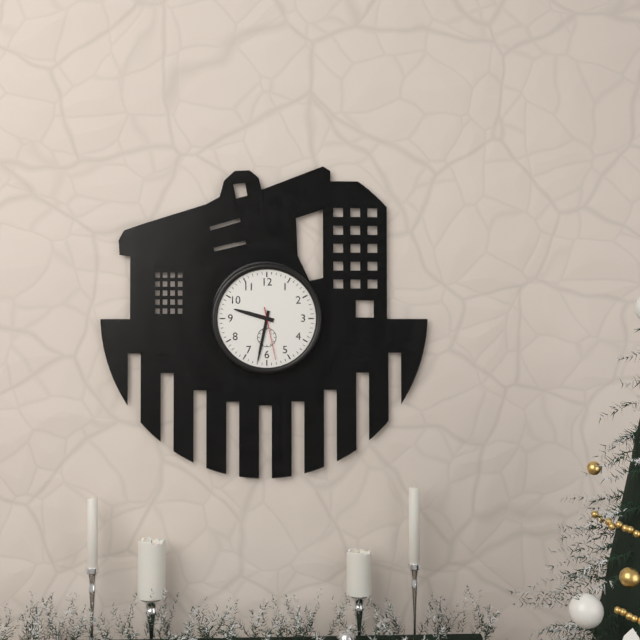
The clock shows 9.32.28
